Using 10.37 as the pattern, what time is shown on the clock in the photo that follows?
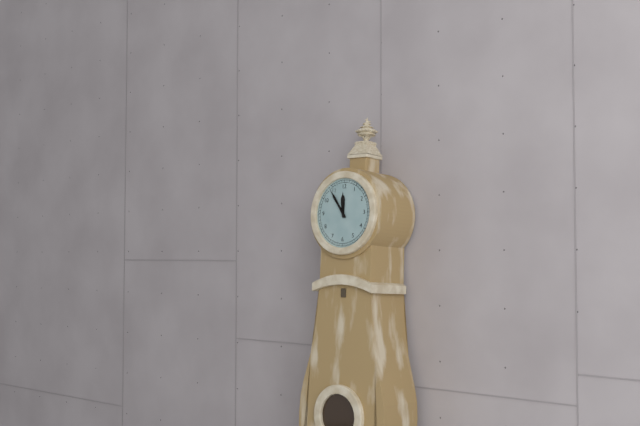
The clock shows 11.54
